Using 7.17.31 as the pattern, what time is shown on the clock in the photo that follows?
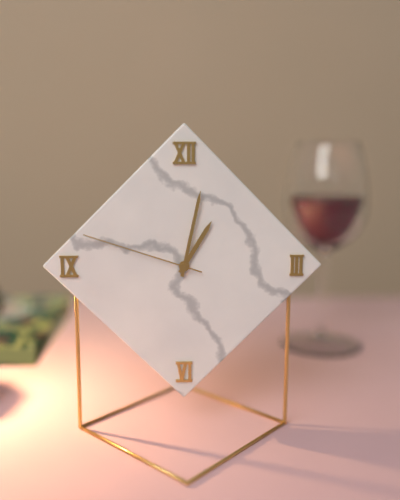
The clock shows 1.02.48
